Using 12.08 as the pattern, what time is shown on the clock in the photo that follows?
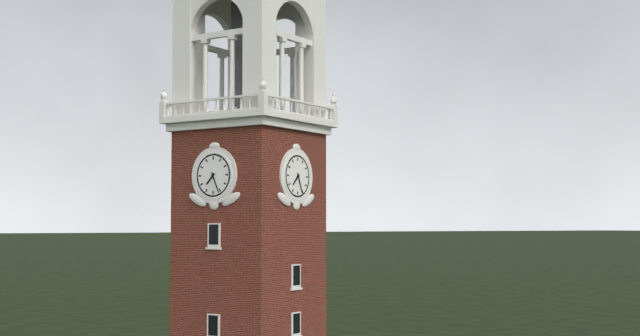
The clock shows 7.26
